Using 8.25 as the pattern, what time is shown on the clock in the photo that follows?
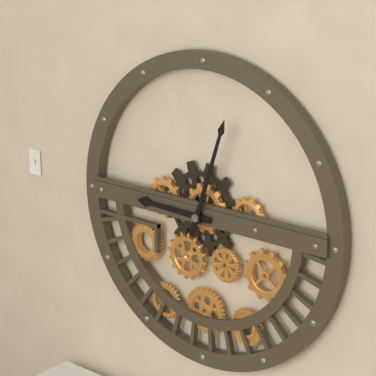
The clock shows 9.03
